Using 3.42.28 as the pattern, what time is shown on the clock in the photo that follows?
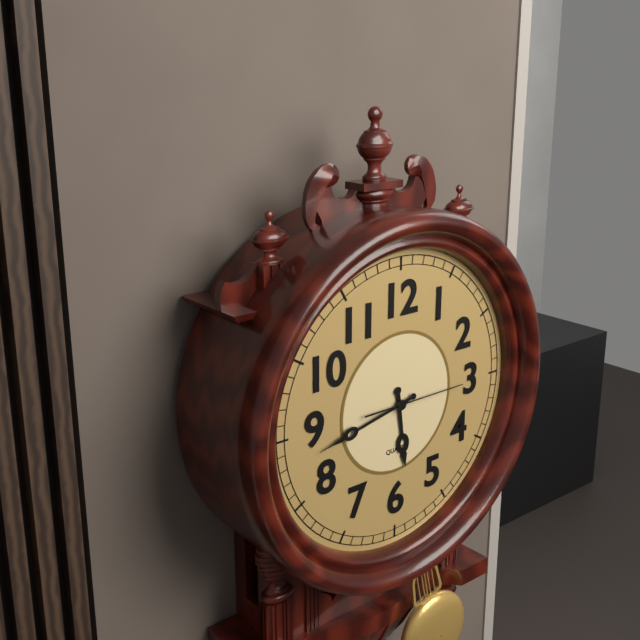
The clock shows 5.43.15
